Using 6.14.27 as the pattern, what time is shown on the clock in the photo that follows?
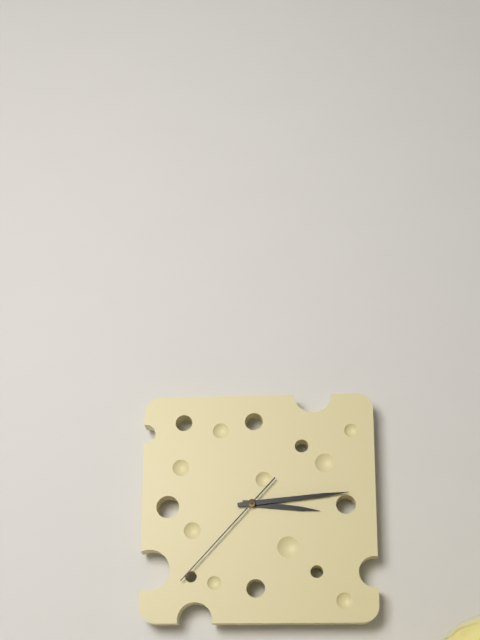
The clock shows 3.14.37
